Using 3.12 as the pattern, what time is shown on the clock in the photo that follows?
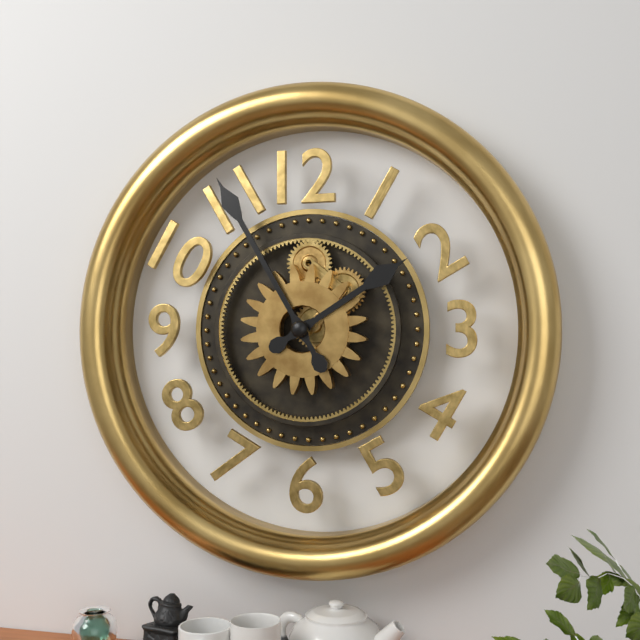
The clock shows 1.55
